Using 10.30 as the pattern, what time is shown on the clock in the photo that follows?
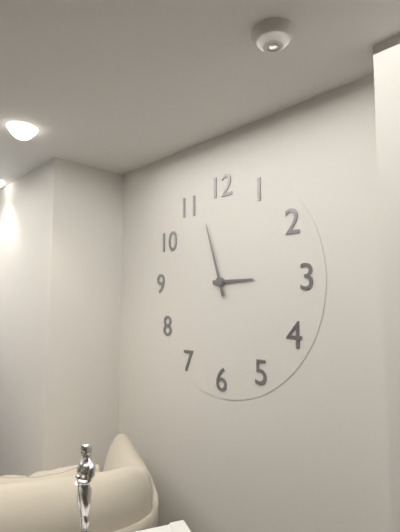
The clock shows 2.57
